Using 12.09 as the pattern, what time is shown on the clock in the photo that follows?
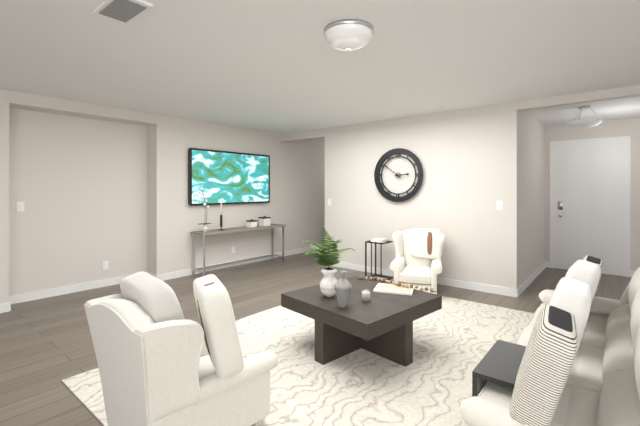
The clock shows 2.51
